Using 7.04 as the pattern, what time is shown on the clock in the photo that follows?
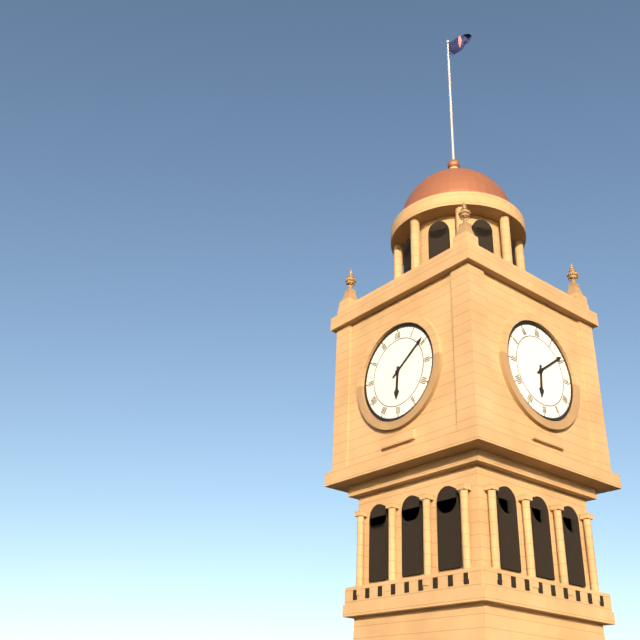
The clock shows 6.09
